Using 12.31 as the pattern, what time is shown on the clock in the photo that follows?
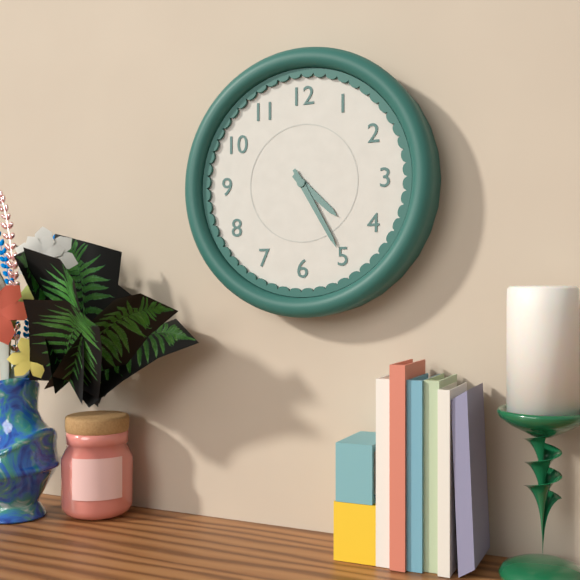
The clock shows 4.25
